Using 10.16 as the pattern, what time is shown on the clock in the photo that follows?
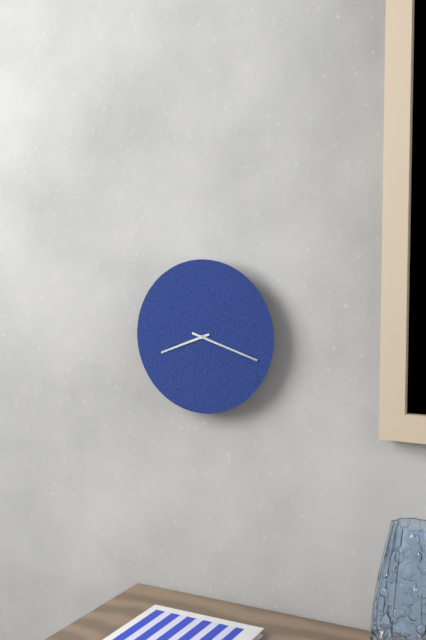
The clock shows 8.18
